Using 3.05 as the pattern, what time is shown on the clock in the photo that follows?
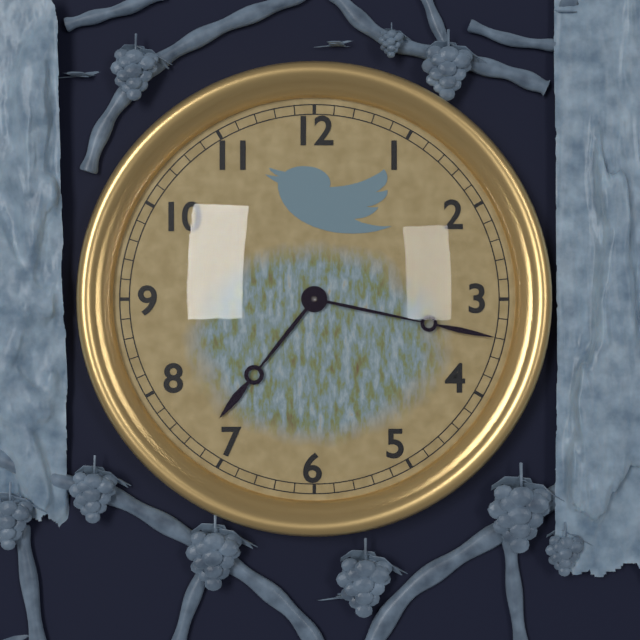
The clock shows 7.17
